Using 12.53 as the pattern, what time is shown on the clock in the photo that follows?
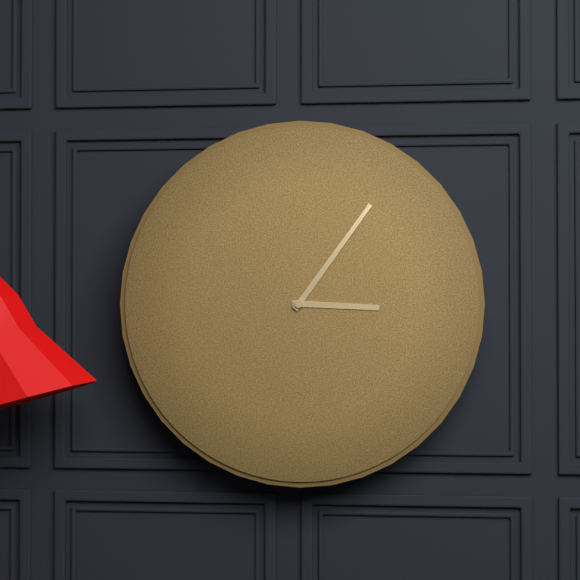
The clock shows 3.06
